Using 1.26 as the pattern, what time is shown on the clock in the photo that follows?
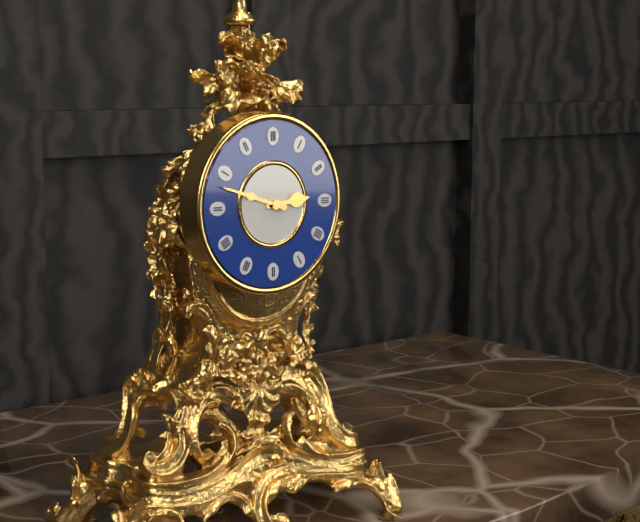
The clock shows 2.48
